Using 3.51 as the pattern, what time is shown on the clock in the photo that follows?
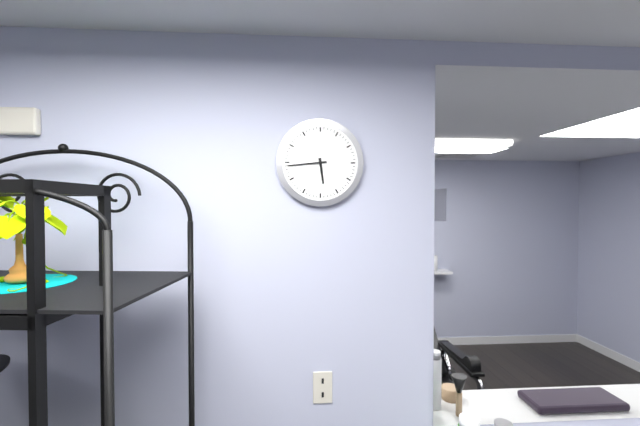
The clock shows 5.44
